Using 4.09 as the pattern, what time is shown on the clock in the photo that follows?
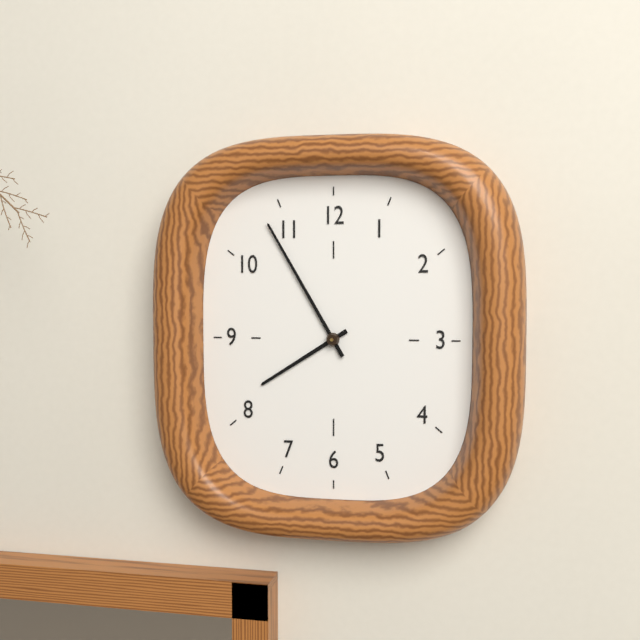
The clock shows 7.55
